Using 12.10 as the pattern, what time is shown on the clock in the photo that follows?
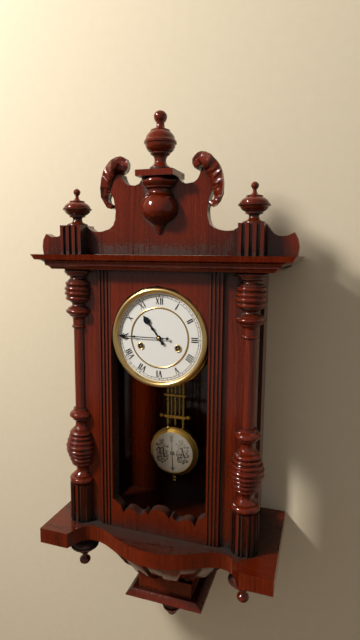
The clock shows 10.45
